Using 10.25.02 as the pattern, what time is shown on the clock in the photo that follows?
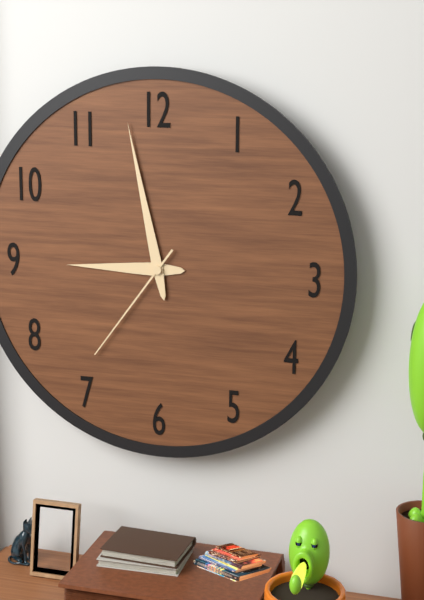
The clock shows 8.58.36
